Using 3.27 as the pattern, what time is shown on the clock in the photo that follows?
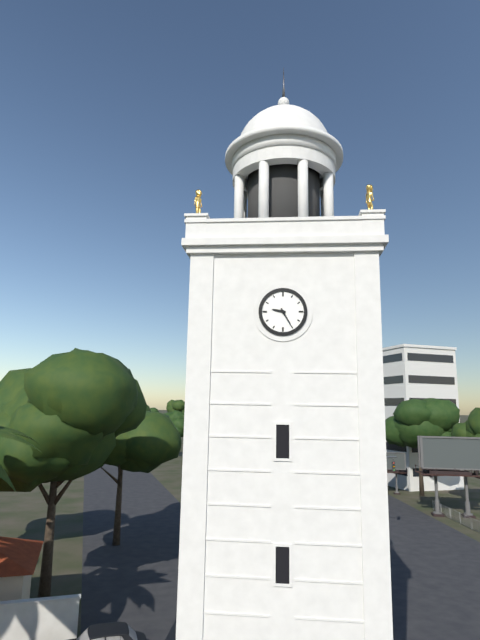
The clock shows 9.25
